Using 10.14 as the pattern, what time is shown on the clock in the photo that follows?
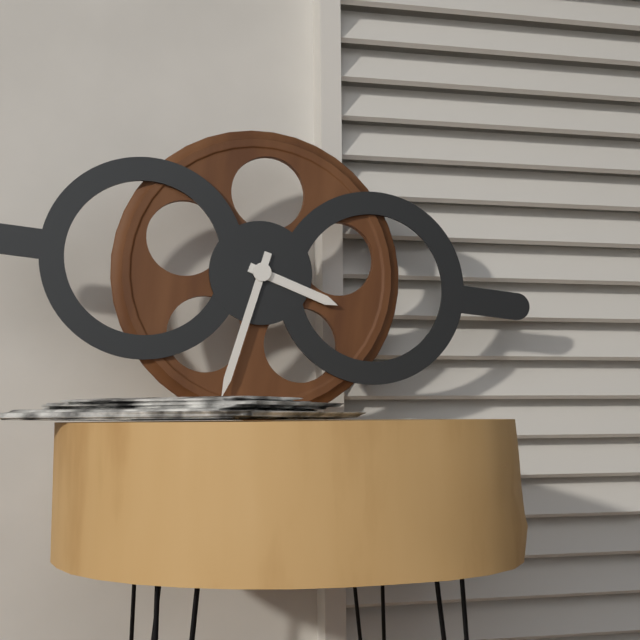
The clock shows 3.32
